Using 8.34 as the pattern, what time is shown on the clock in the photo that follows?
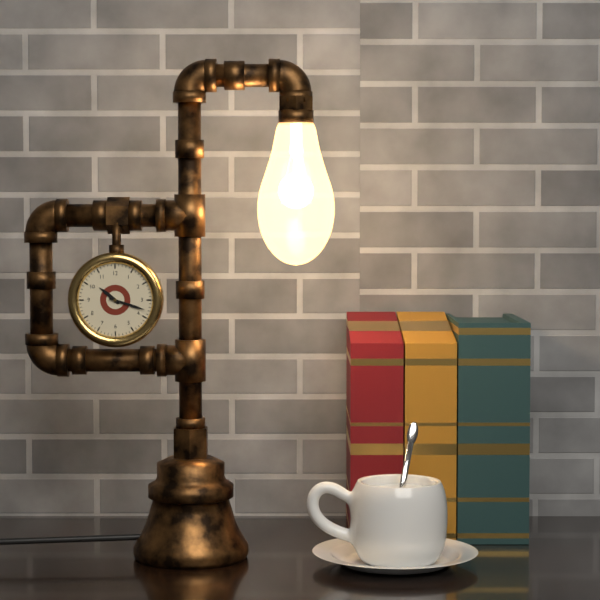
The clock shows 10.18
